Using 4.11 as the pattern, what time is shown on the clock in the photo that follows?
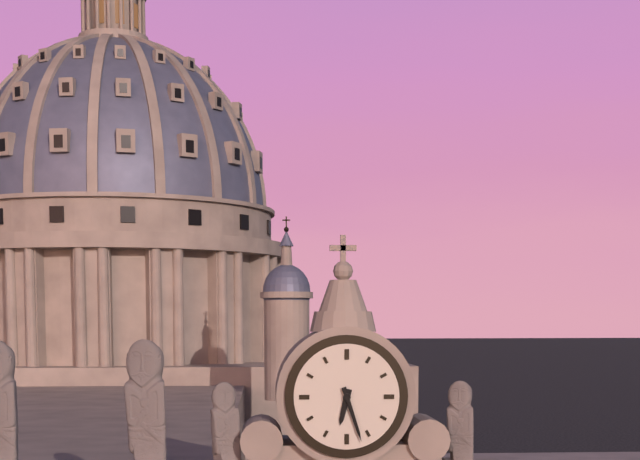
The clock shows 6.27
